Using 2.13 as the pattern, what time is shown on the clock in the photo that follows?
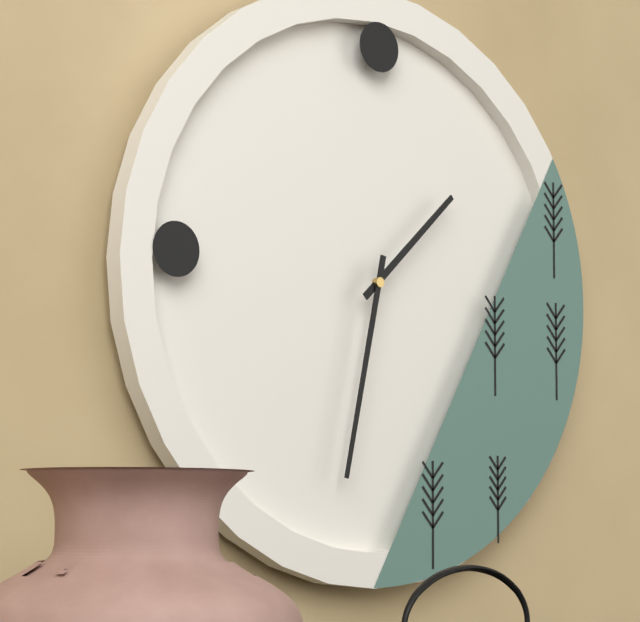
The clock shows 1.32
